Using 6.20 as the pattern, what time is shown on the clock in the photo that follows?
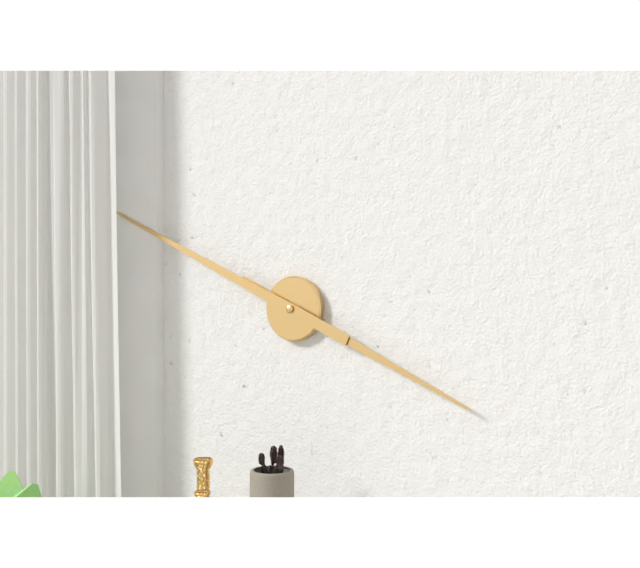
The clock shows 3.49
